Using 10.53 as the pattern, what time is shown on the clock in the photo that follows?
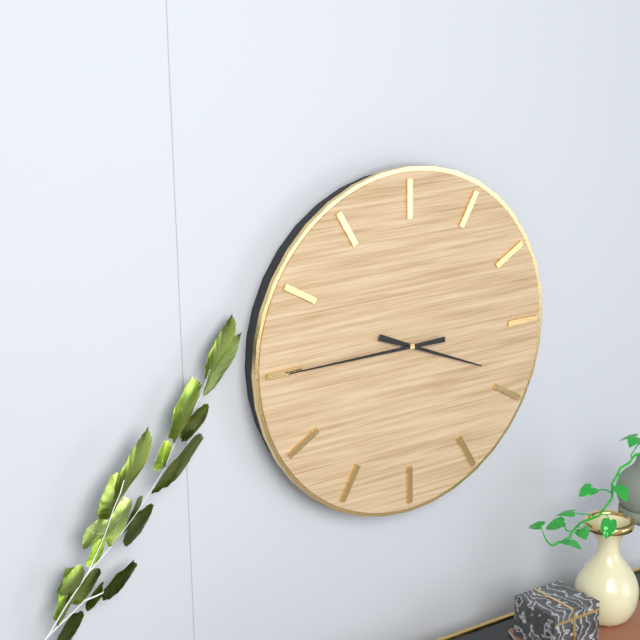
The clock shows 3.45
